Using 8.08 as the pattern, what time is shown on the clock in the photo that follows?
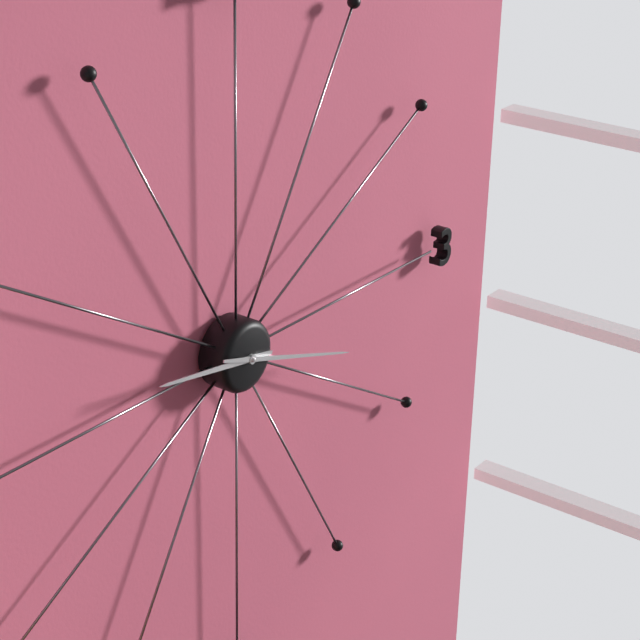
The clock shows 9.18
